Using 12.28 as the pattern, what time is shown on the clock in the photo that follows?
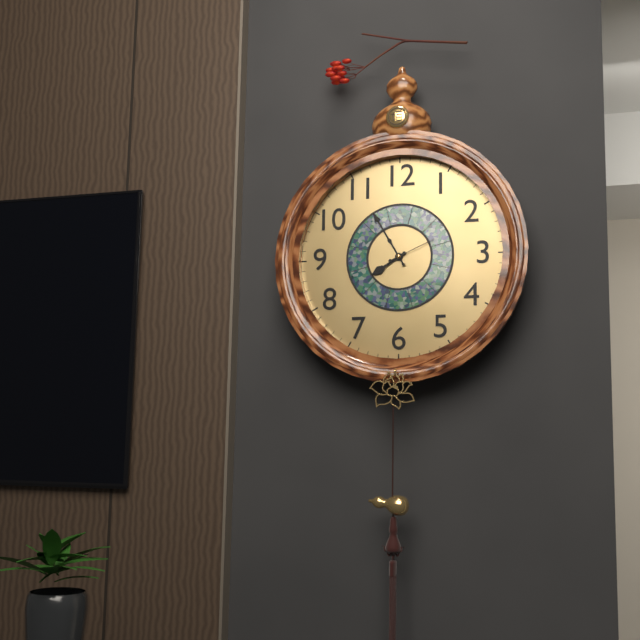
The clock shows 7.55
